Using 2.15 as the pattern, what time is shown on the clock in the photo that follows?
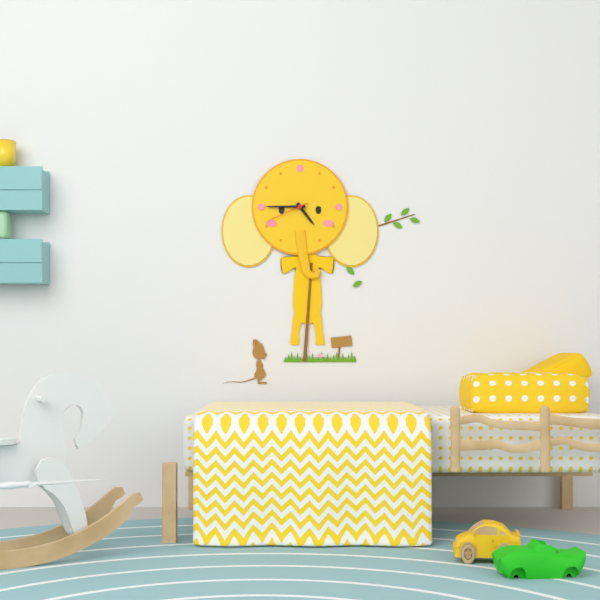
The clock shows 4.45
